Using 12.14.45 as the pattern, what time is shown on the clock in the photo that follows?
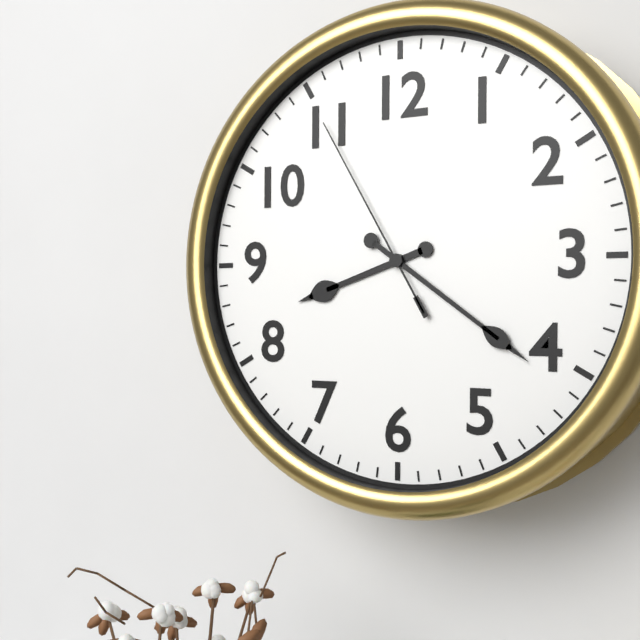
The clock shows 8.21.55
